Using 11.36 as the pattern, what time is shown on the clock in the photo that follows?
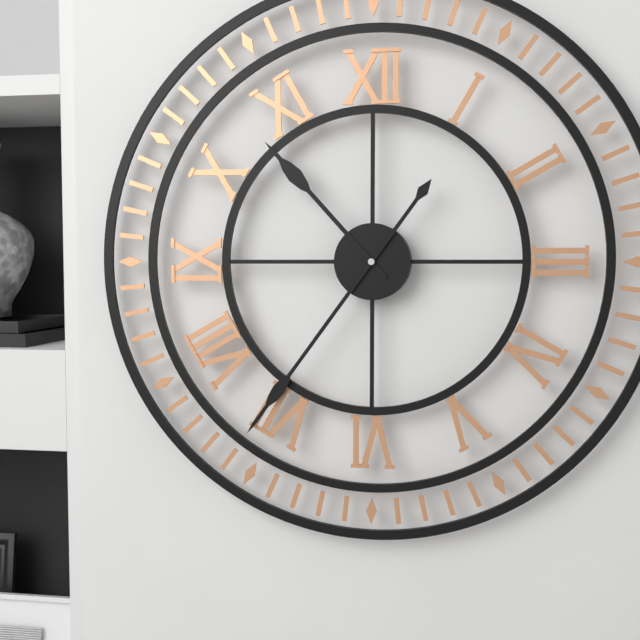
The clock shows 10.36
